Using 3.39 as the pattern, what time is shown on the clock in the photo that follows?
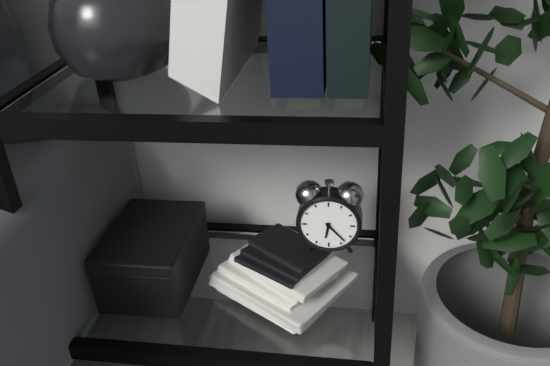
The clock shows 6.23
